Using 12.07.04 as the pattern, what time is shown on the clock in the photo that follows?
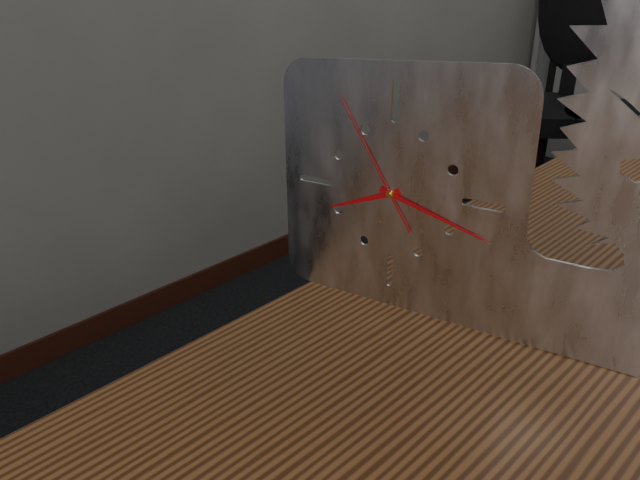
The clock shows 8.18.55
